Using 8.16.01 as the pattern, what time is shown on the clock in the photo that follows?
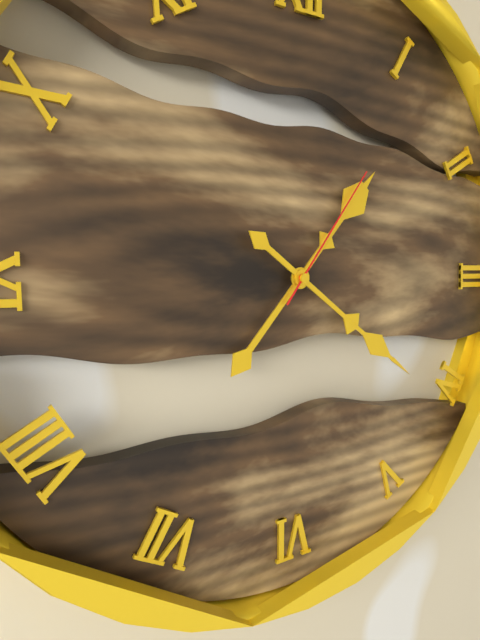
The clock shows 1.21.06
